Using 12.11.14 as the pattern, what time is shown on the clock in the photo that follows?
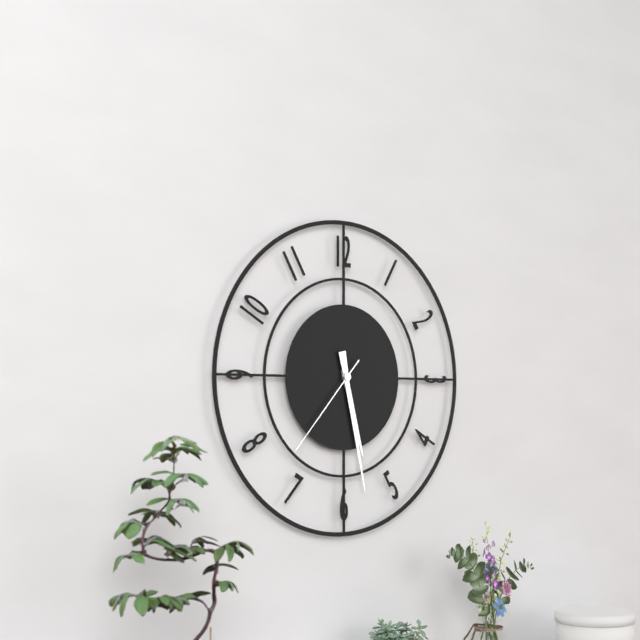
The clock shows 5.28.37
